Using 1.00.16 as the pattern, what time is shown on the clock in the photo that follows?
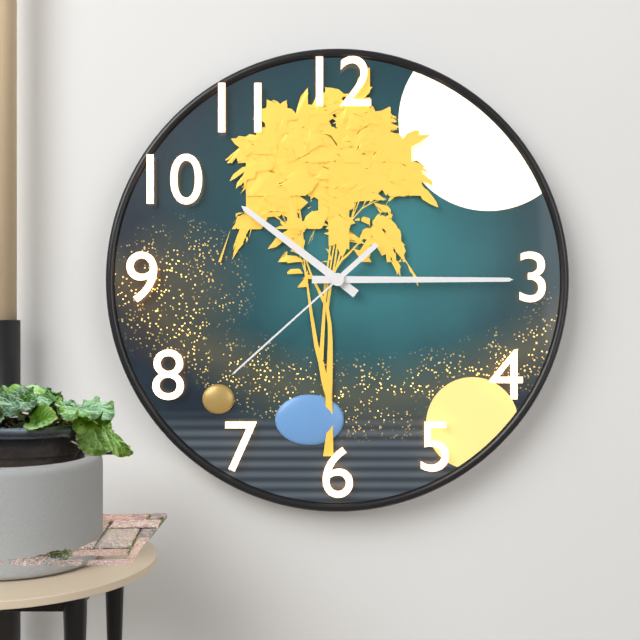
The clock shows 10.15.38
